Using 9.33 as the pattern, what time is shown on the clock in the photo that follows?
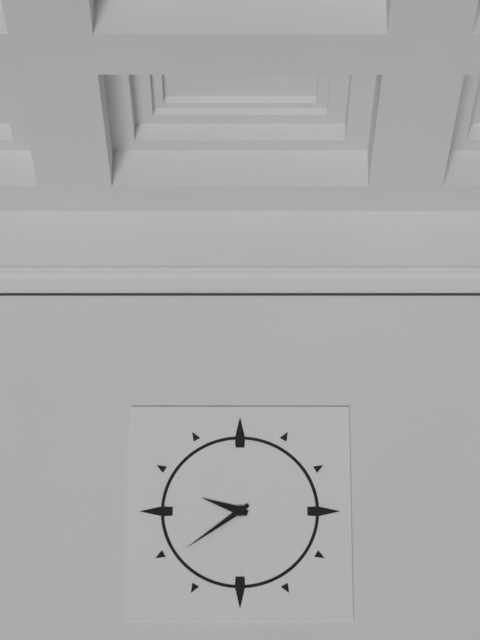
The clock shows 9.39
